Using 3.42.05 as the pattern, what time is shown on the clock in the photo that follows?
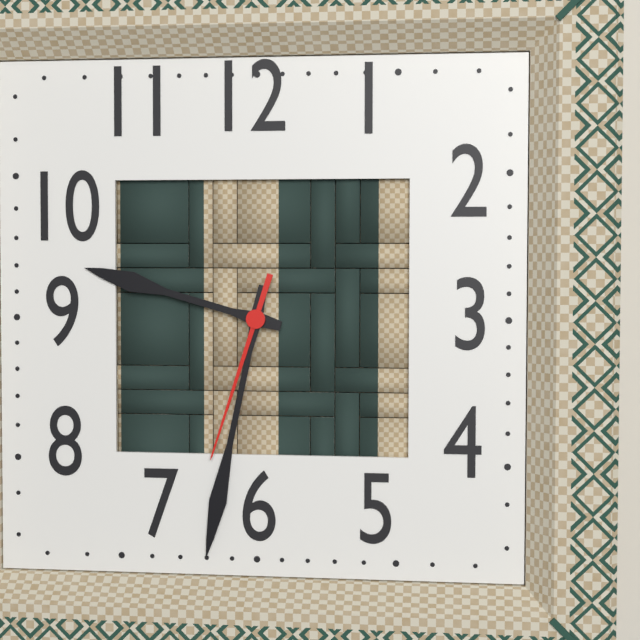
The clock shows 9.32.33
